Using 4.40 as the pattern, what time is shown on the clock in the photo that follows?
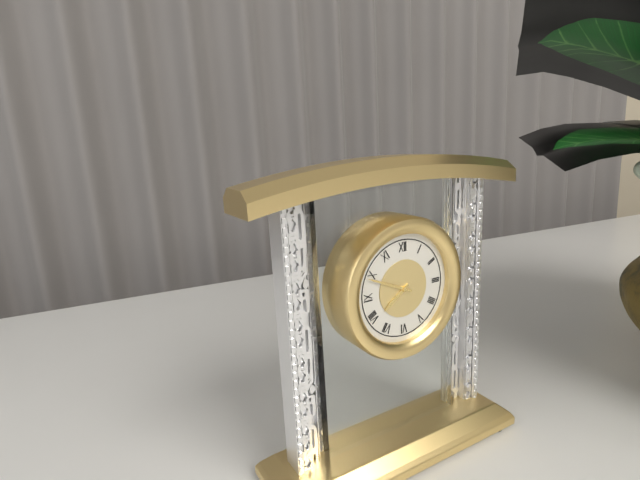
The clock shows 7.49
